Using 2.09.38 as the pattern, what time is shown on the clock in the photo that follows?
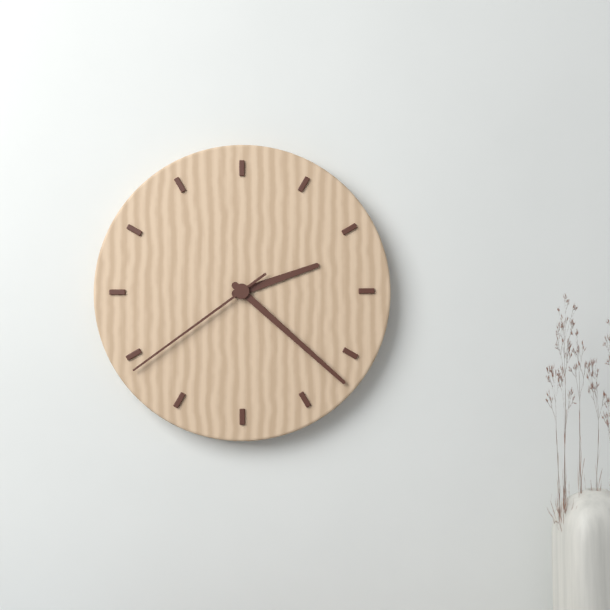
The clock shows 2.22.39
